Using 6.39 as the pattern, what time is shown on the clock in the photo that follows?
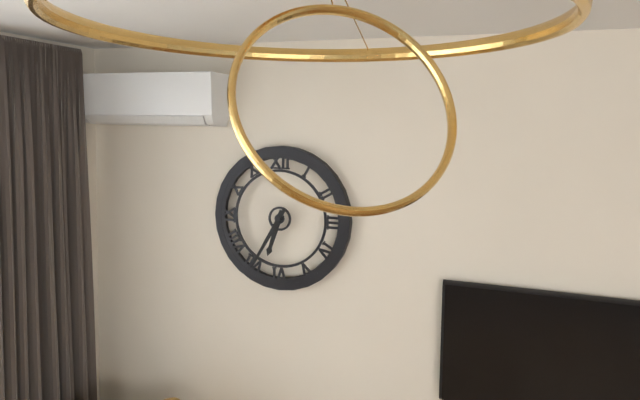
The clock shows 6.35
